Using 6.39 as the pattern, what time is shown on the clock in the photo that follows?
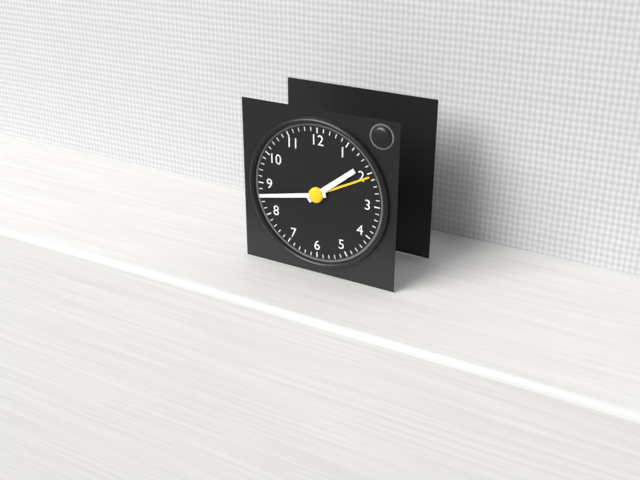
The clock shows 1.43
